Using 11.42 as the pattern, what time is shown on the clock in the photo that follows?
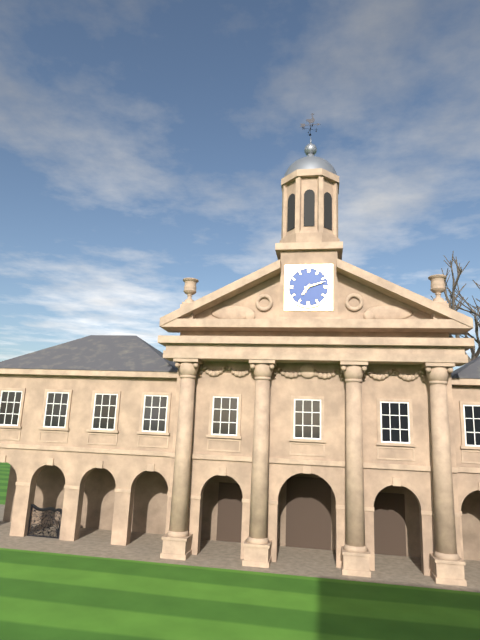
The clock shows 7.12
